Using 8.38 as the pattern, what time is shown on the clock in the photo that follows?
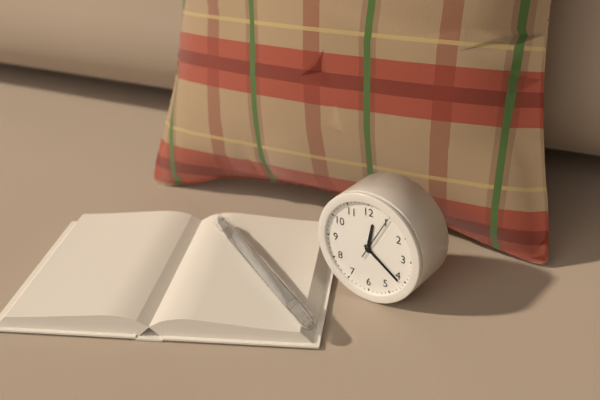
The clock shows 12.21
